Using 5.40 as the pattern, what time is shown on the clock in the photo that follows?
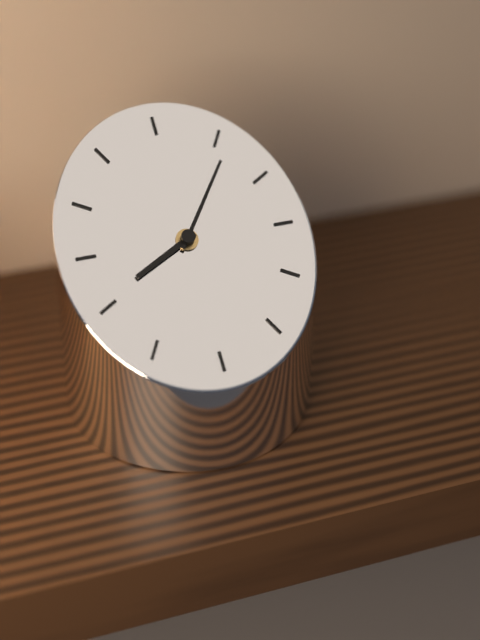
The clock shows 8.06
